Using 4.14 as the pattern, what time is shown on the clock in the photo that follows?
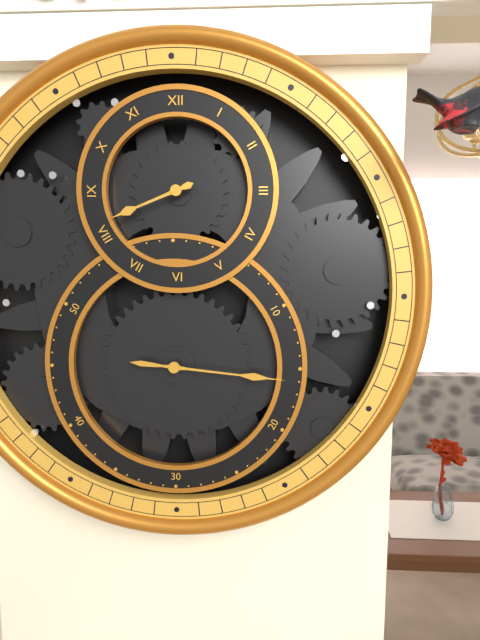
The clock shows 8.16
